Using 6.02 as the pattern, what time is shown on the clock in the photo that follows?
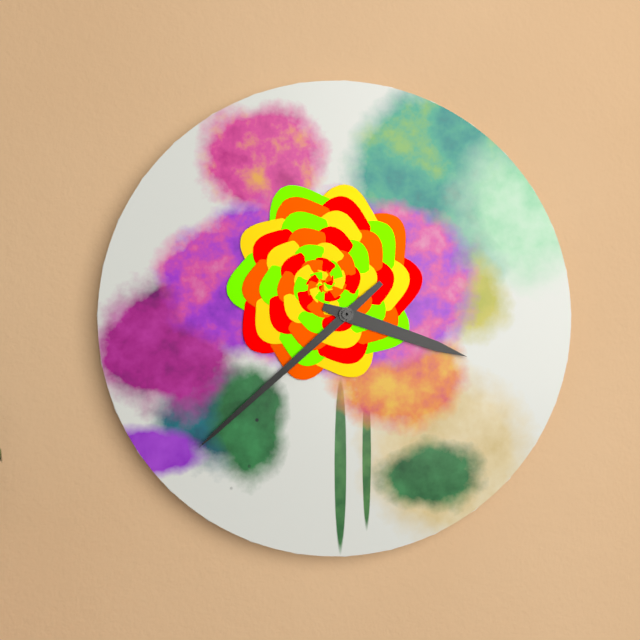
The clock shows 3.38
